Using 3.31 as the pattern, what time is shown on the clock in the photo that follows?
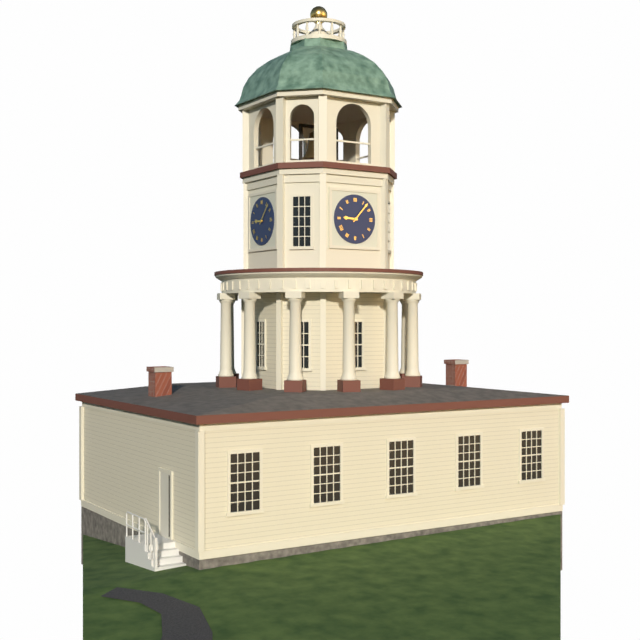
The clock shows 9.07
